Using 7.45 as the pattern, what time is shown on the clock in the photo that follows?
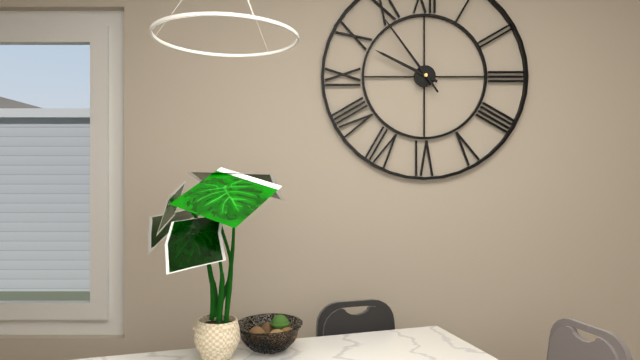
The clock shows 9.54
